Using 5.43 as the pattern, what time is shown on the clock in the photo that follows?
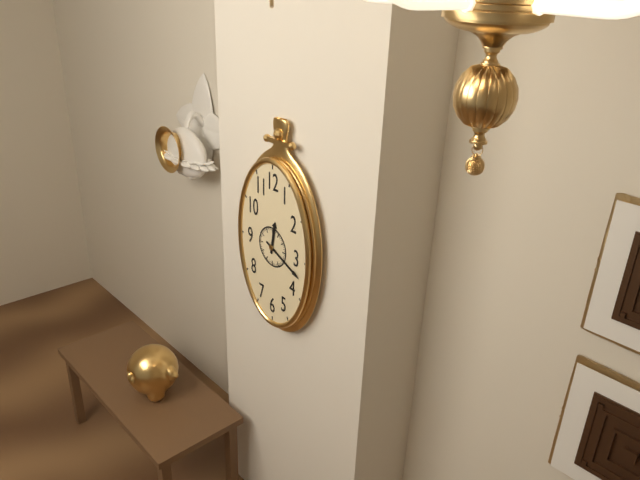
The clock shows 12.19
